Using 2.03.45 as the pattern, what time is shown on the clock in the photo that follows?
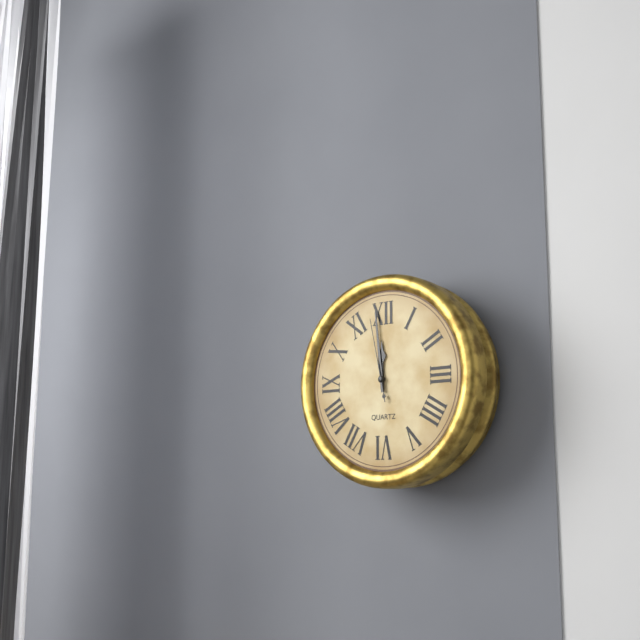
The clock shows 11.59.58
